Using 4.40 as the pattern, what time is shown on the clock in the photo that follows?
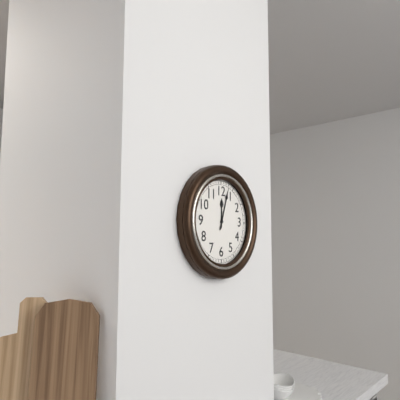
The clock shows 12.03
